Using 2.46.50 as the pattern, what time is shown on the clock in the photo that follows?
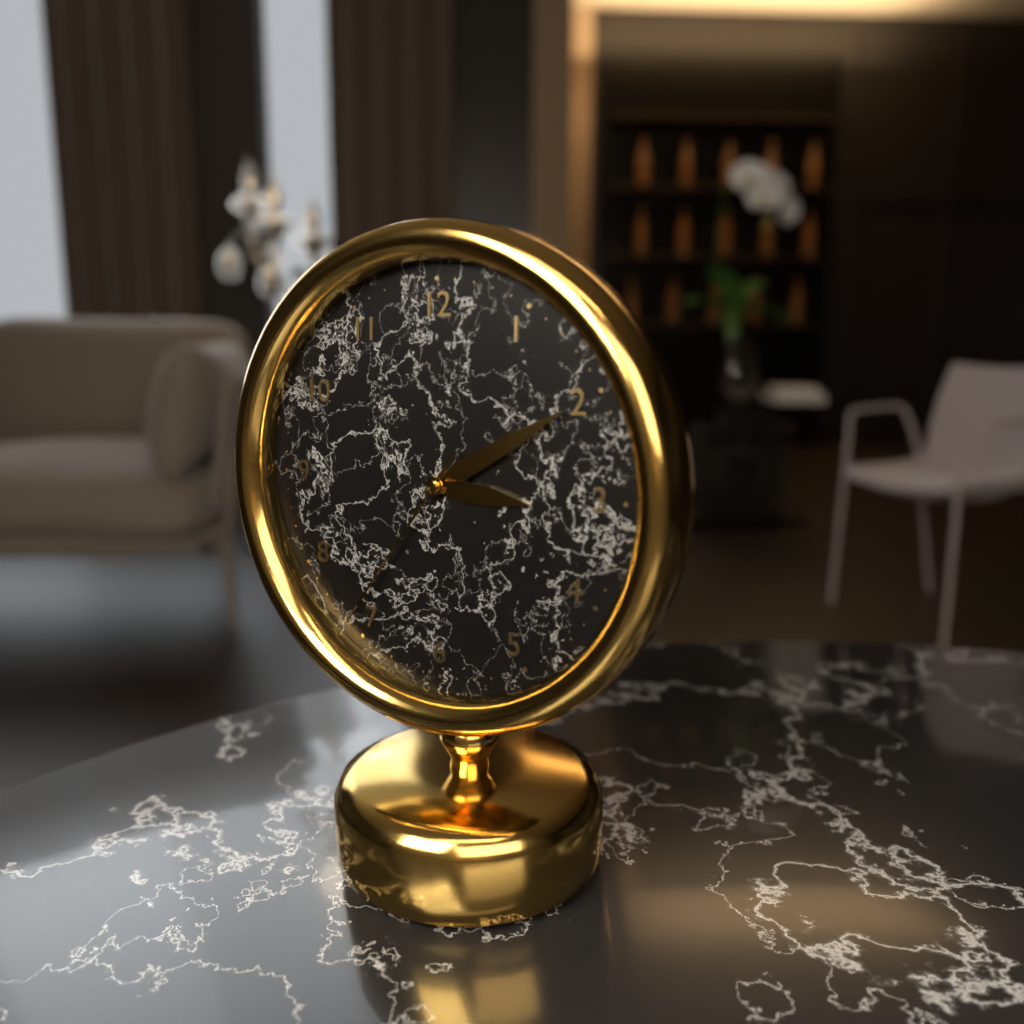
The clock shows 3.10.36
